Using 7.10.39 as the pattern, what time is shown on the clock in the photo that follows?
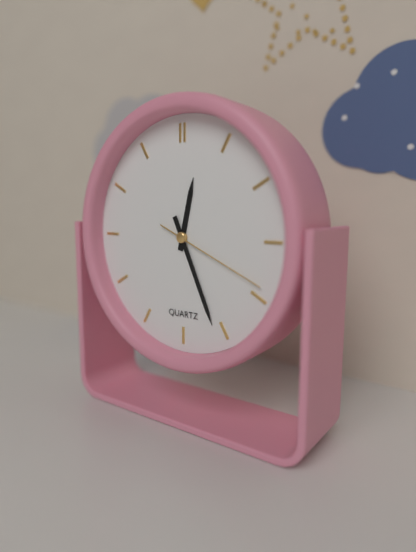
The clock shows 12.26.19
